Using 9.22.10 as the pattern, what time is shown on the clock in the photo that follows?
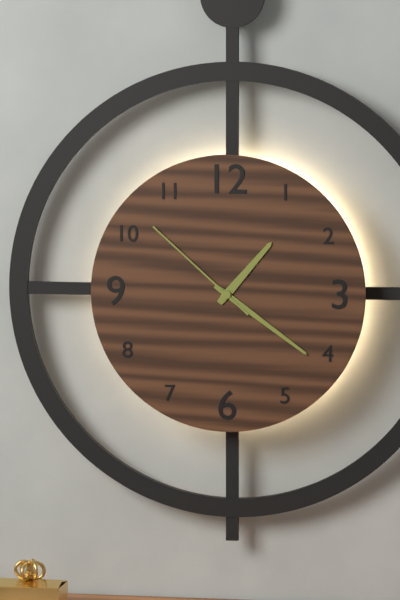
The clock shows 1.21.52
